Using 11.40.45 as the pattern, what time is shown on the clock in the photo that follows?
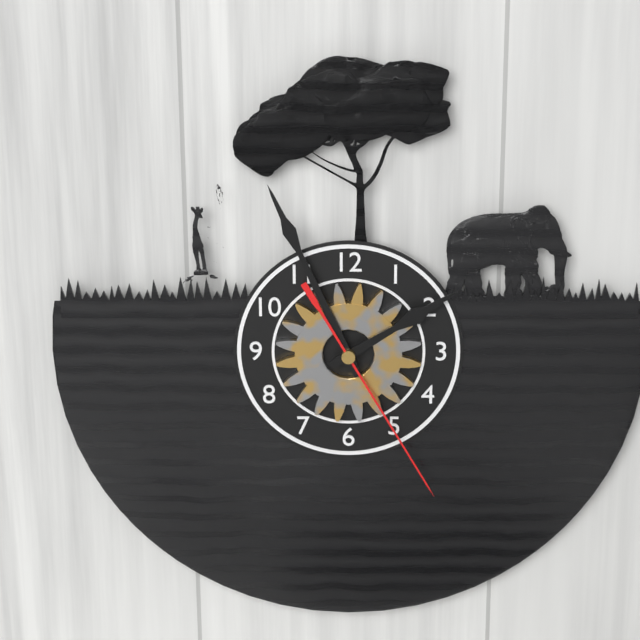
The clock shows 1.56.25
